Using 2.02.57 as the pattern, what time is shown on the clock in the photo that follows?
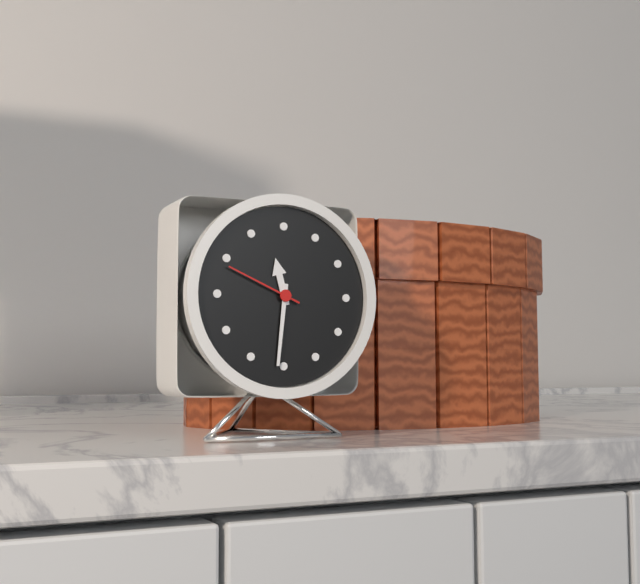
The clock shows 11.31.49
